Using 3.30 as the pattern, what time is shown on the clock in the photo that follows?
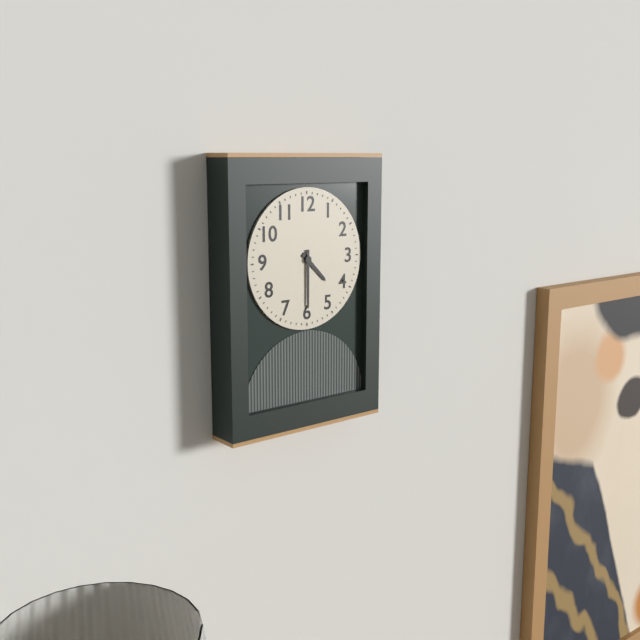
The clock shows 4.30
